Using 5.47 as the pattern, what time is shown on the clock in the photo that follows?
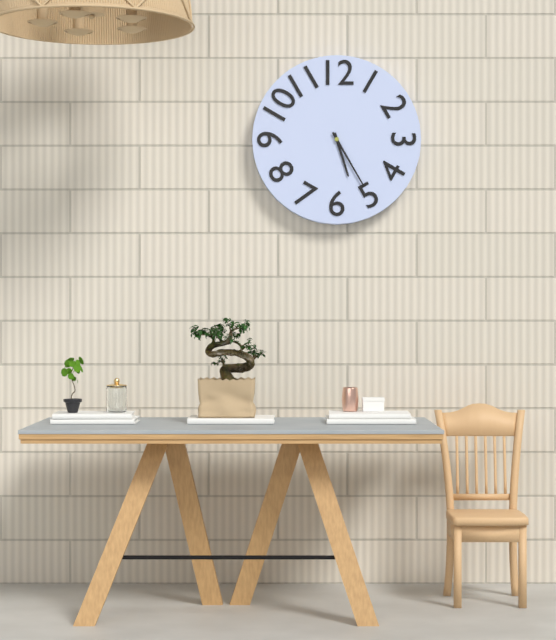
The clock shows 5.25
